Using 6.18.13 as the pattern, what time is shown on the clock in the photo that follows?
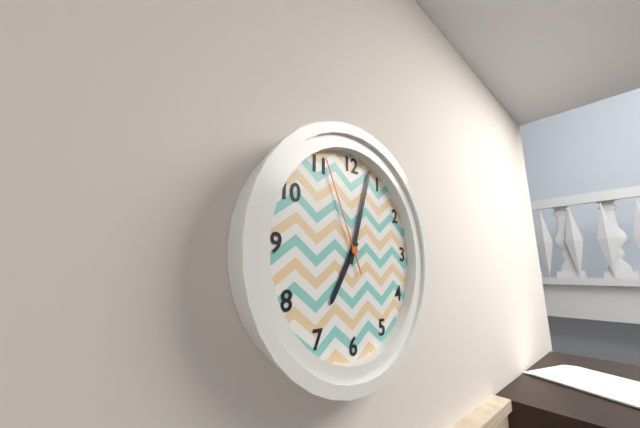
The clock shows 7.03.56
